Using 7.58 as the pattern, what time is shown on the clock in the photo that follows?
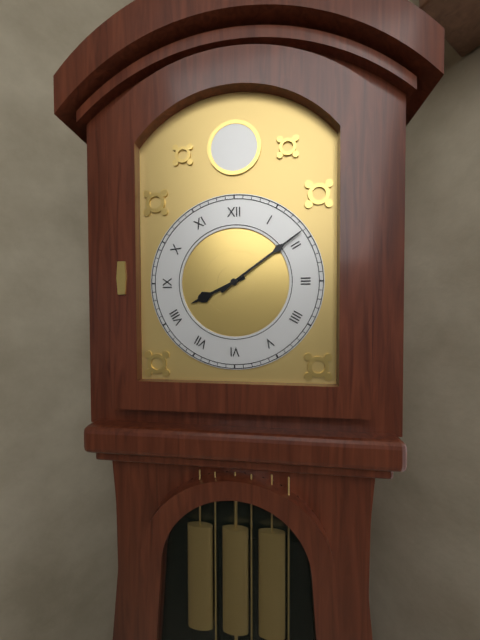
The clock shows 8.09
